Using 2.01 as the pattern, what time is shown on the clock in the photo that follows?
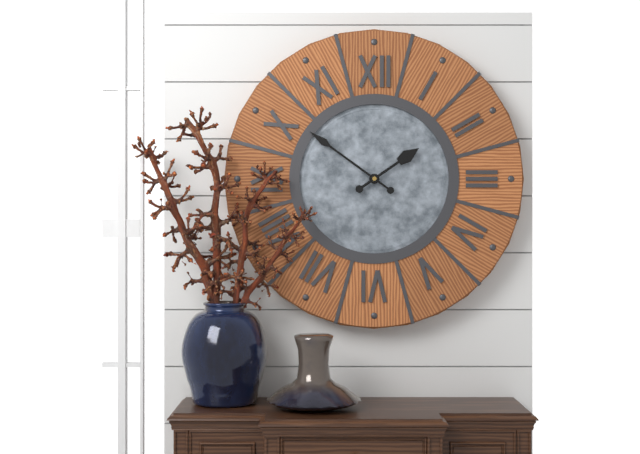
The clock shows 1.51
